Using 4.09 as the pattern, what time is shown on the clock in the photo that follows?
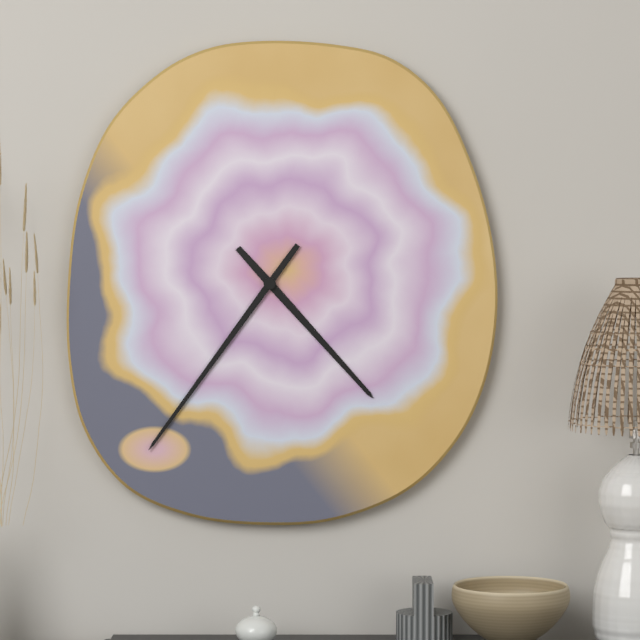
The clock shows 4.36
